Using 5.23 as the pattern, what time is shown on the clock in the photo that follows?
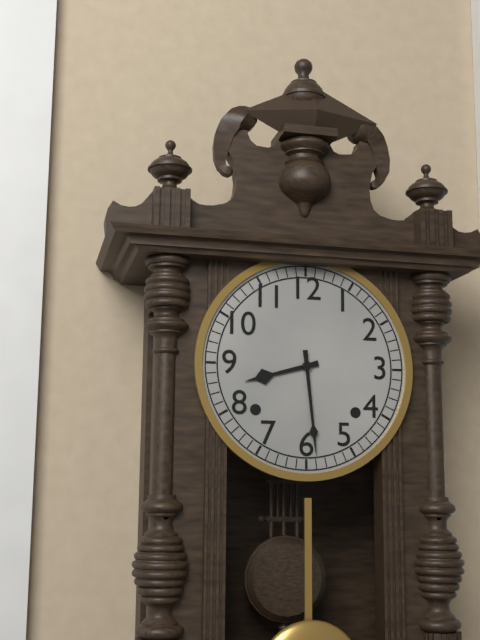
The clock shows 8.29
